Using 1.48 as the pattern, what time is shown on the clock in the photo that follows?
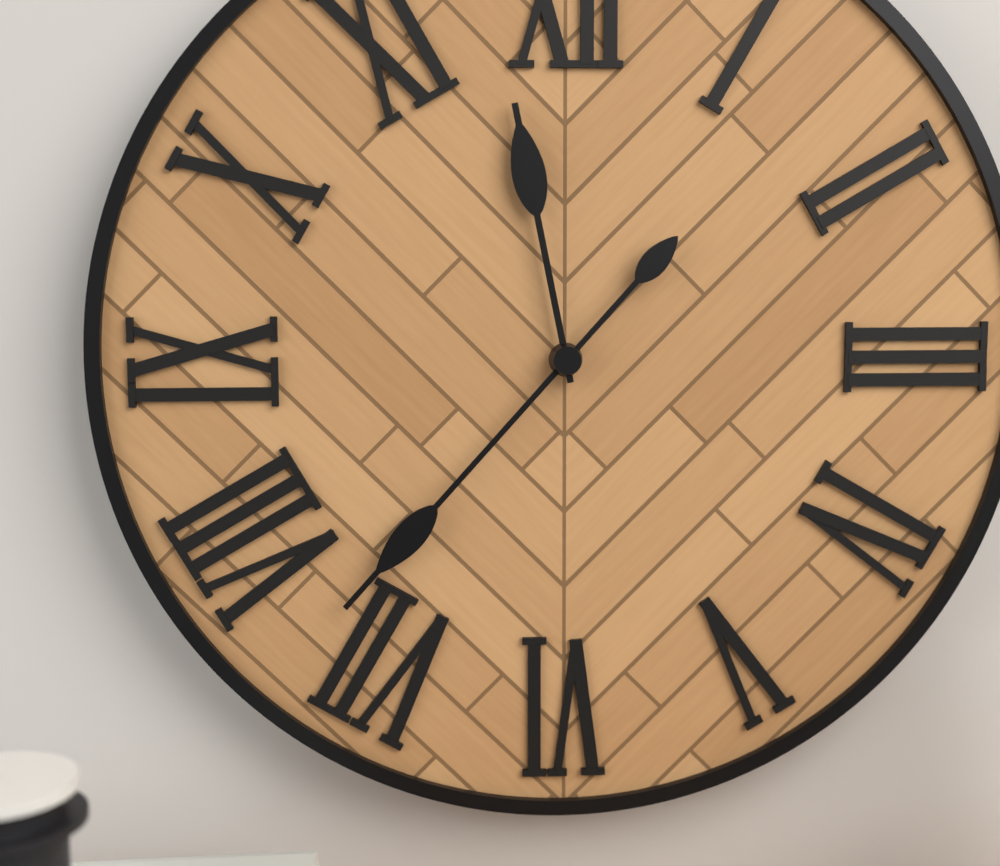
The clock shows 11.37
